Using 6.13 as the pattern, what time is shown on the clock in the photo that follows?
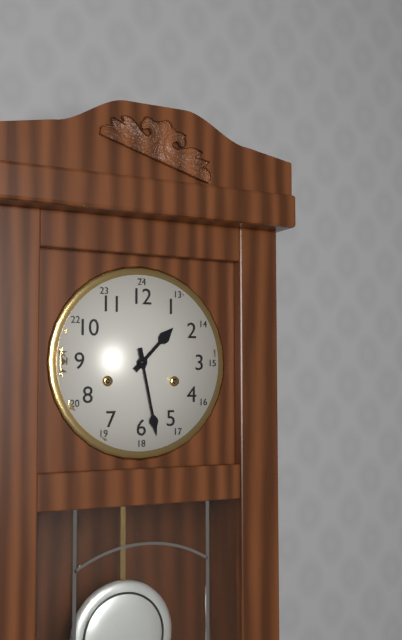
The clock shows 1.28
